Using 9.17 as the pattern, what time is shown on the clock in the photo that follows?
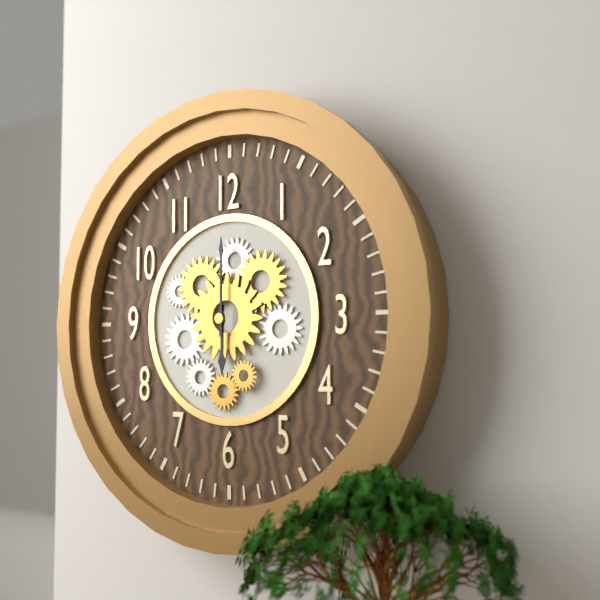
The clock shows 6.00
